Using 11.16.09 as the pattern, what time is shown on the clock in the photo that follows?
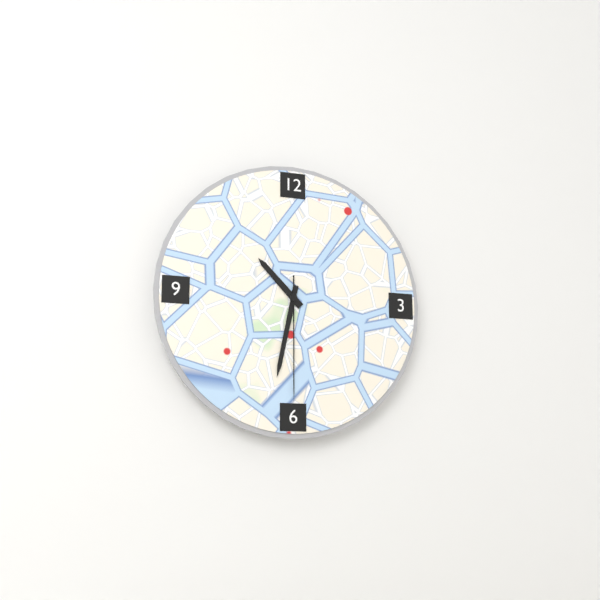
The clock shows 10.32.30
